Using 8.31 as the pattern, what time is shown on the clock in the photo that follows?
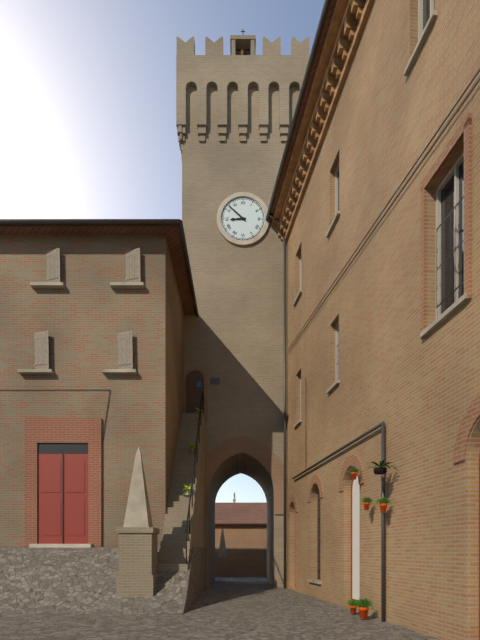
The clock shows 8.52
